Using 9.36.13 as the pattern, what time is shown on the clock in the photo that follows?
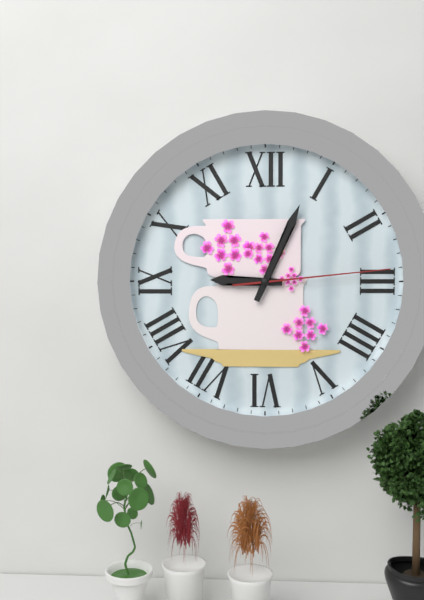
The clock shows 9.04.14
